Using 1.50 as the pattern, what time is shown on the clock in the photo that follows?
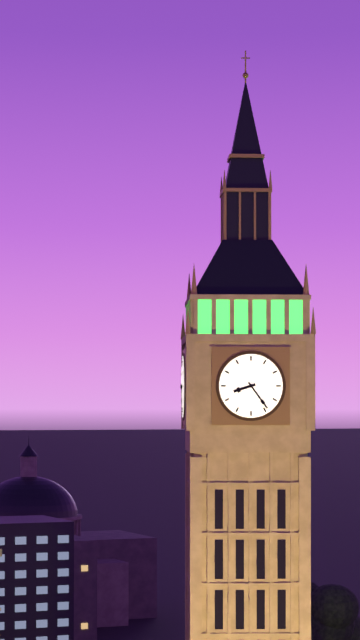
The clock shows 8.24
